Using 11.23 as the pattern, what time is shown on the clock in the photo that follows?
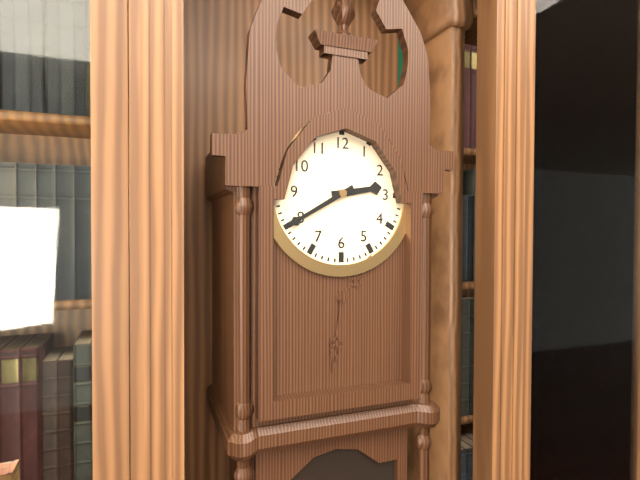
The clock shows 2.40
